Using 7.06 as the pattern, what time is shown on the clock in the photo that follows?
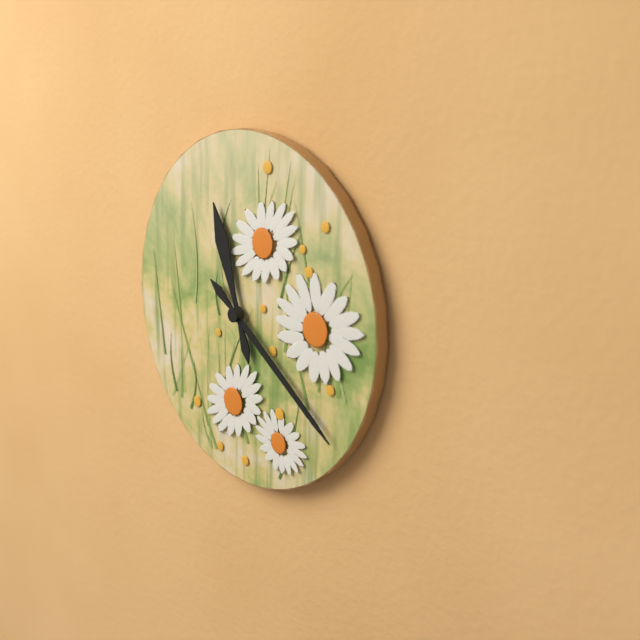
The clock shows 11.21
